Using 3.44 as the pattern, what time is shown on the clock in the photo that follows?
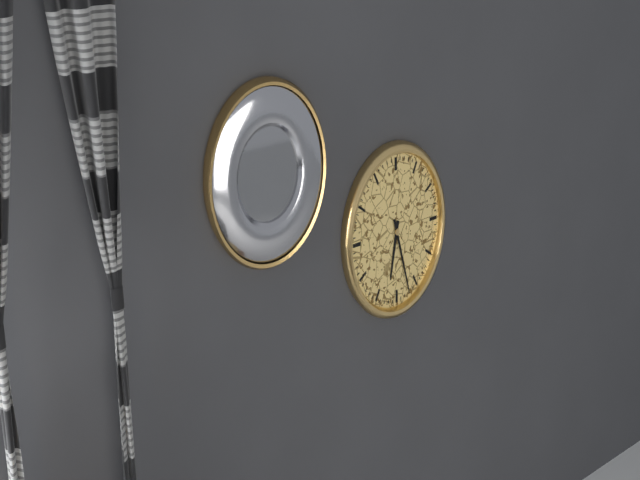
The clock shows 6.27
